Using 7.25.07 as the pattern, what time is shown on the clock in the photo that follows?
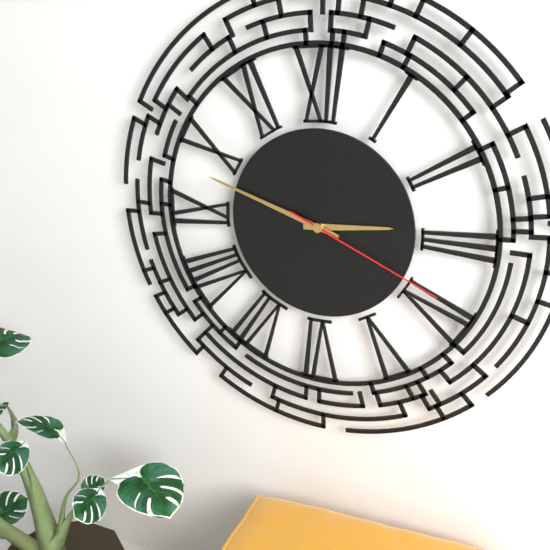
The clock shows 2.48.19
